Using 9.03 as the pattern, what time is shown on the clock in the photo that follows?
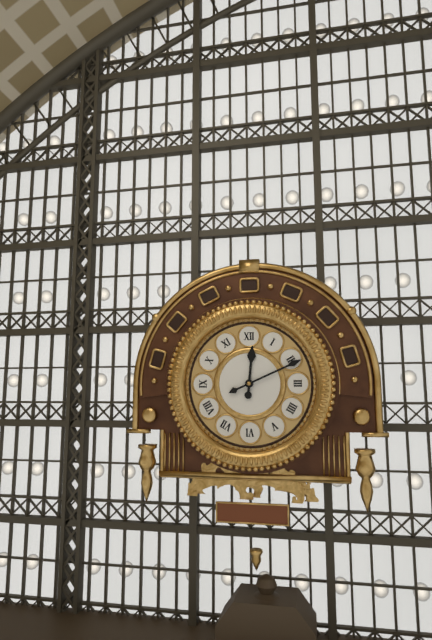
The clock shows 12.11
